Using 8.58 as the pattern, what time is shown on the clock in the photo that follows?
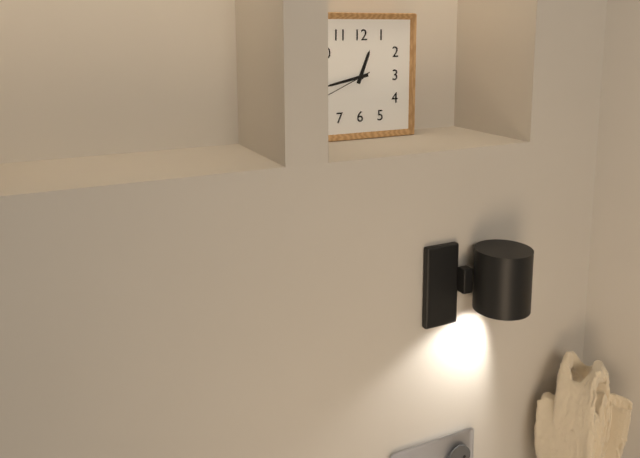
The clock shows 12.43
